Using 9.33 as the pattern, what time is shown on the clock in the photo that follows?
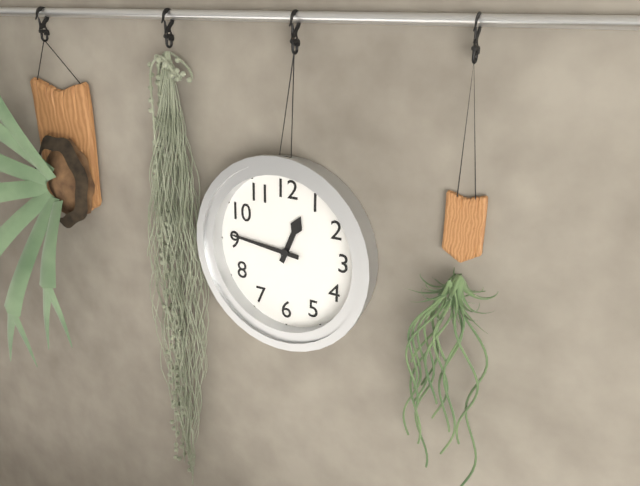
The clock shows 12.46
